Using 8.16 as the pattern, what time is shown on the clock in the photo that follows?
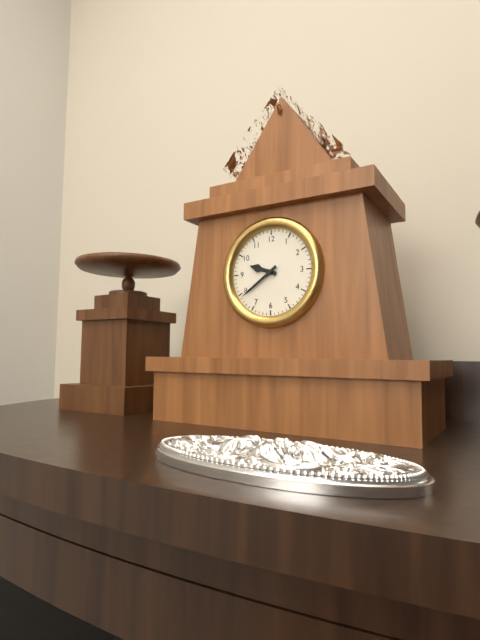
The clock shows 9.39
